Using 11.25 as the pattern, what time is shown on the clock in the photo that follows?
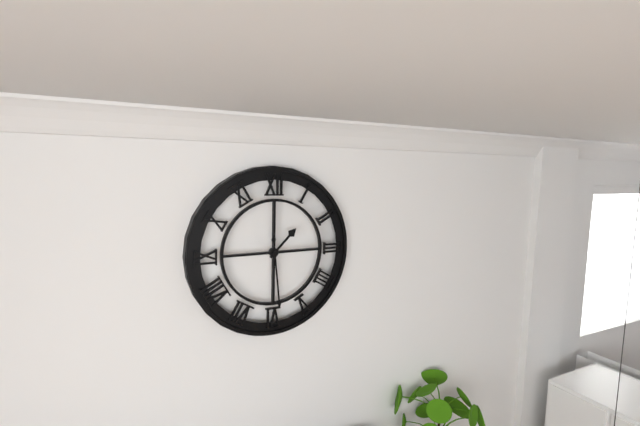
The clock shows 1.29
